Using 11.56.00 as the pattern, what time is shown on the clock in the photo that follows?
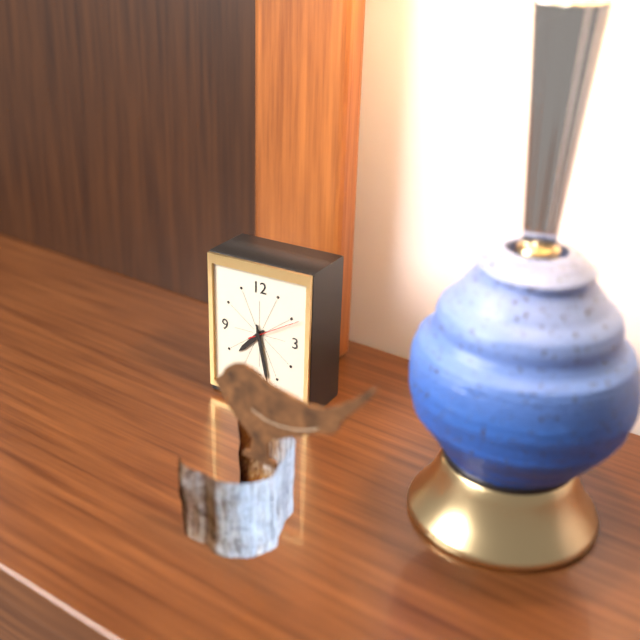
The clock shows 7.28.10
